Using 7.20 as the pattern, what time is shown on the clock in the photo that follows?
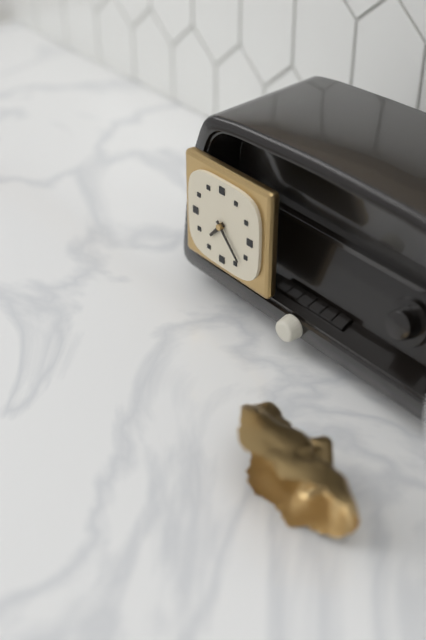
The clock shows 7.23
